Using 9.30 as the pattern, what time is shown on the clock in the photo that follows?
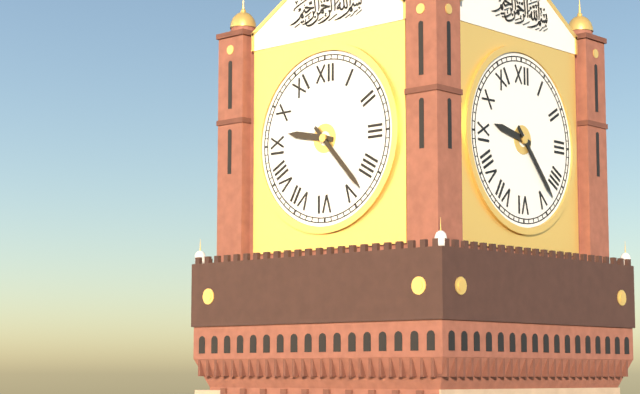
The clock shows 9.23
